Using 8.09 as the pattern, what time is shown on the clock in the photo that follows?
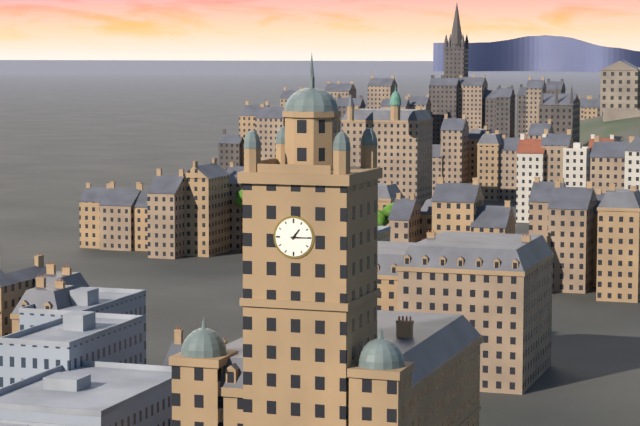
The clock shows 1.15
